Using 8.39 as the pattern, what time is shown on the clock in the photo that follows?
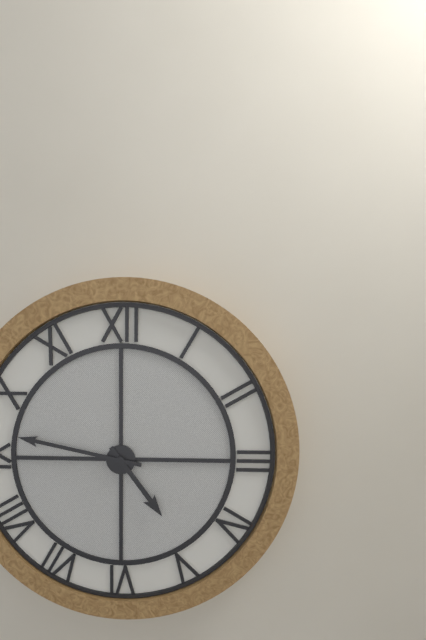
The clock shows 4.47
